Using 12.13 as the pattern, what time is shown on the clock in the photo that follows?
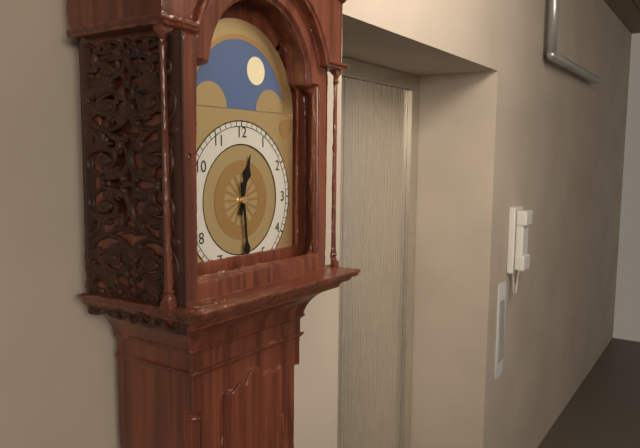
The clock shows 12.29
